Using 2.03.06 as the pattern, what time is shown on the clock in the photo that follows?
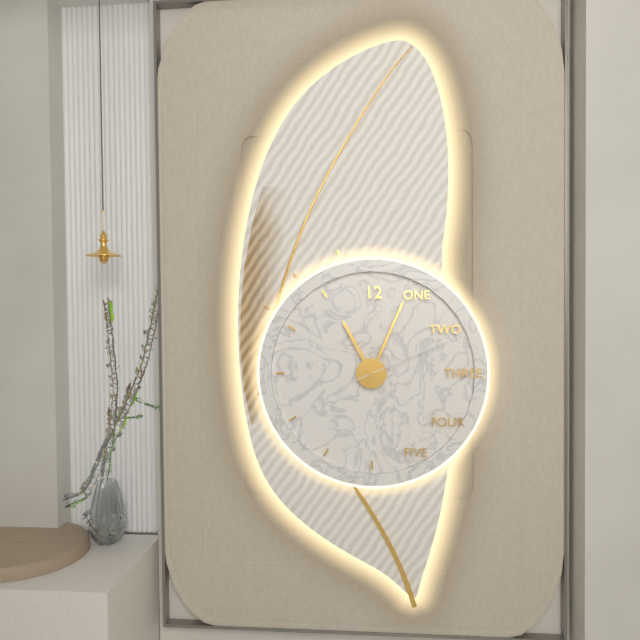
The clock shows 11.04.11
